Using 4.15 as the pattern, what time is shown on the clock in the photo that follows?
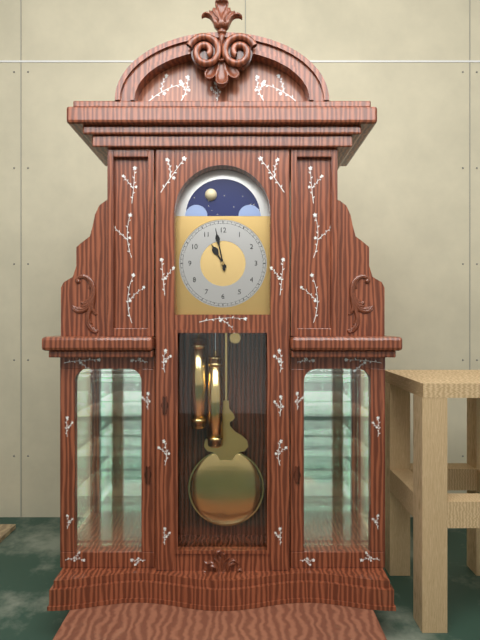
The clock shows 10.58
